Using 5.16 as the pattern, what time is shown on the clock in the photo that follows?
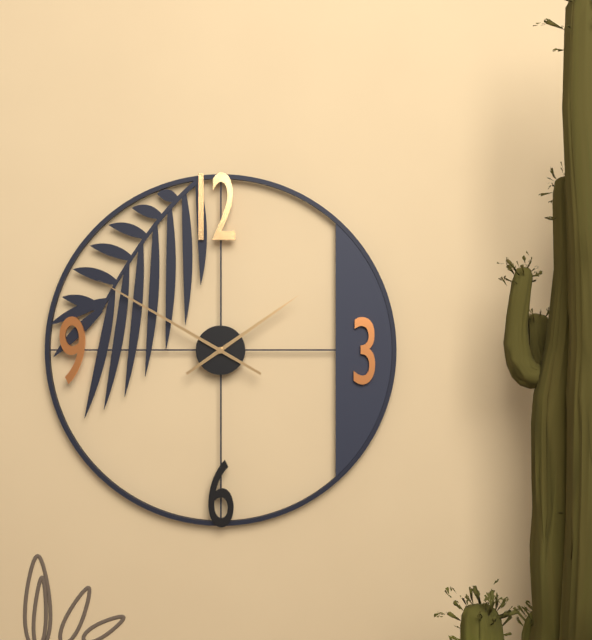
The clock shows 1.50
